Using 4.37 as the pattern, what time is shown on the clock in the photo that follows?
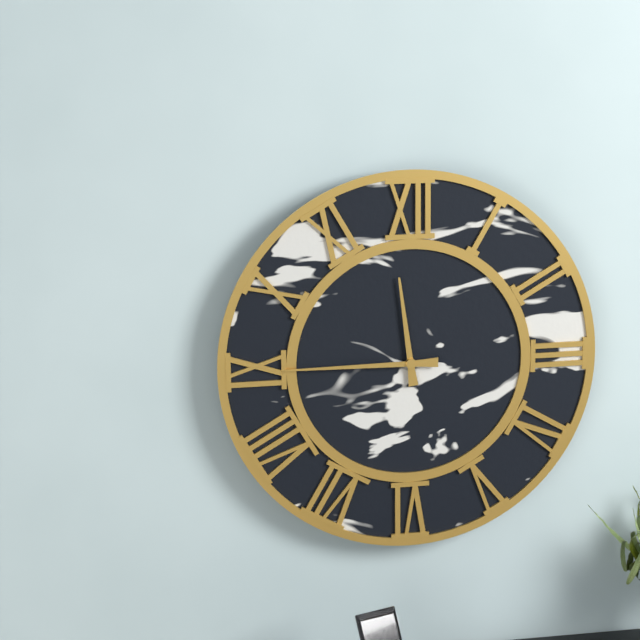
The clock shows 11.45
